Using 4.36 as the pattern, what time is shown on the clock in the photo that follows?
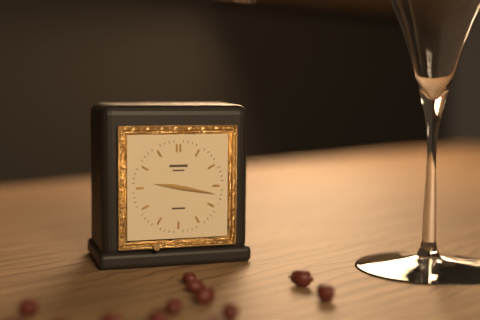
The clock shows 9.17
